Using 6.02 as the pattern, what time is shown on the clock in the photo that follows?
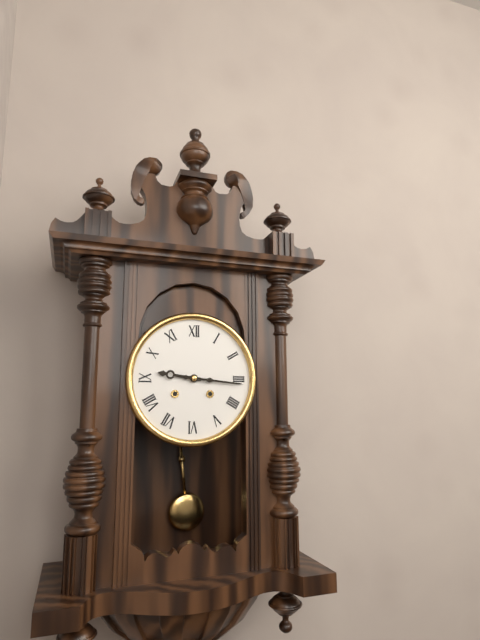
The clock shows 9.16
